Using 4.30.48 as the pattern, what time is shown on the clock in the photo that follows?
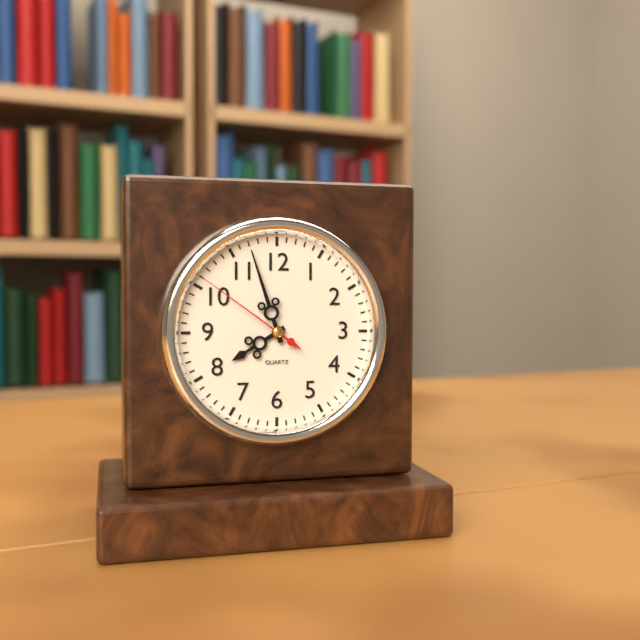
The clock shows 7.57.51
